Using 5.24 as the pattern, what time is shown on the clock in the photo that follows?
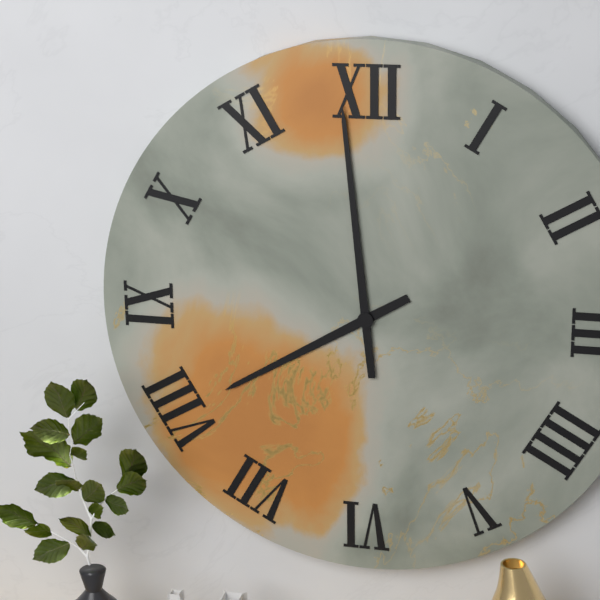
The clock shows 7.59
